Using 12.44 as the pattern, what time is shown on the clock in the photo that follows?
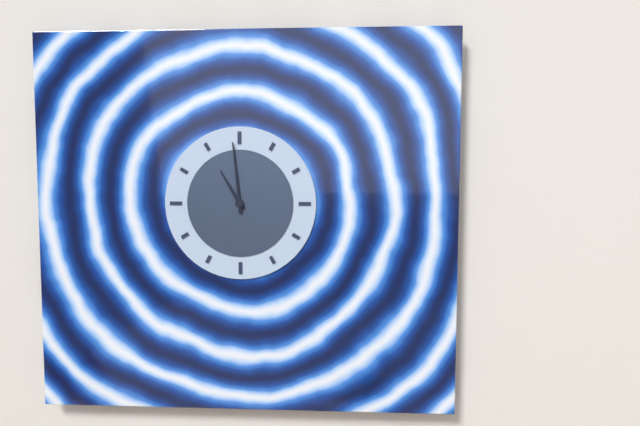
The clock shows 10.59
